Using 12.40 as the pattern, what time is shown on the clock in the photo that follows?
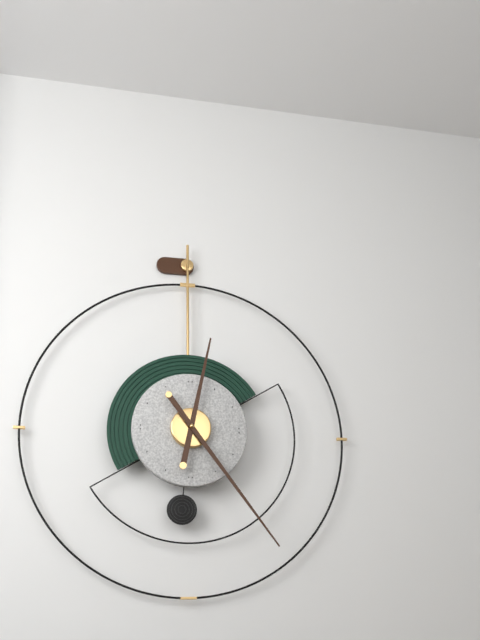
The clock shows 12.24
